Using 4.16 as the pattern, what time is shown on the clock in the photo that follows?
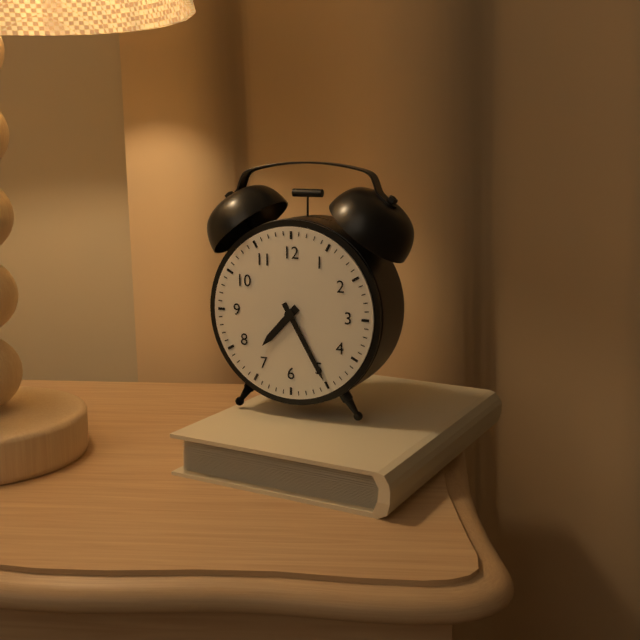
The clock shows 7.25
